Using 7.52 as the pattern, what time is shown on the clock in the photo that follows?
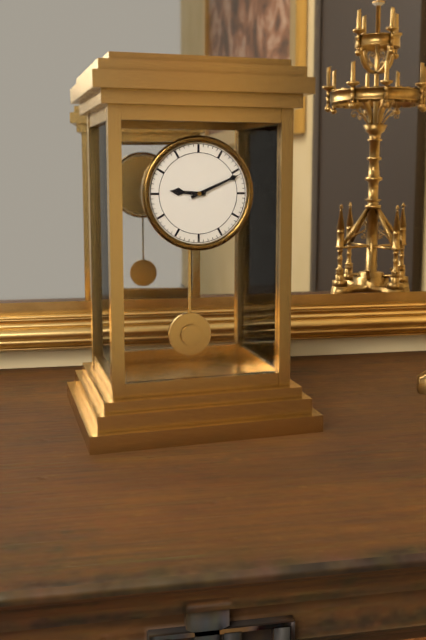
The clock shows 9.11
